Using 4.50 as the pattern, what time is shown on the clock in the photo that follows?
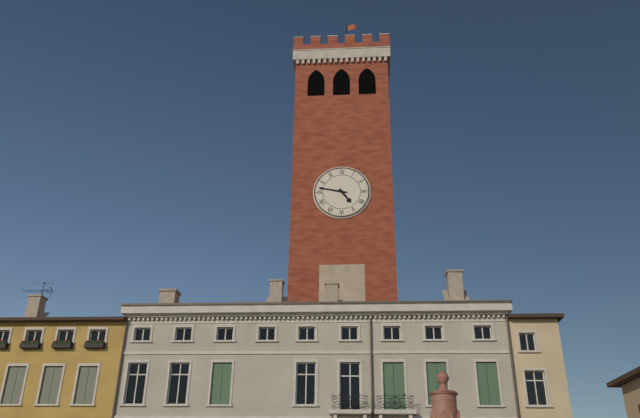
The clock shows 4.47
